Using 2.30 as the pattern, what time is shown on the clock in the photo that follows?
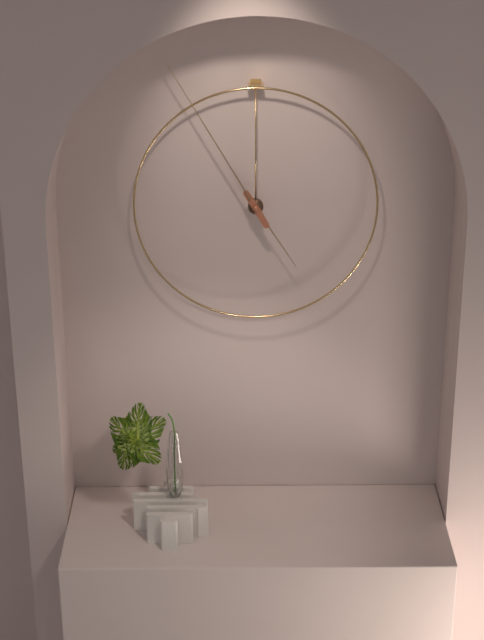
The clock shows 4.55
